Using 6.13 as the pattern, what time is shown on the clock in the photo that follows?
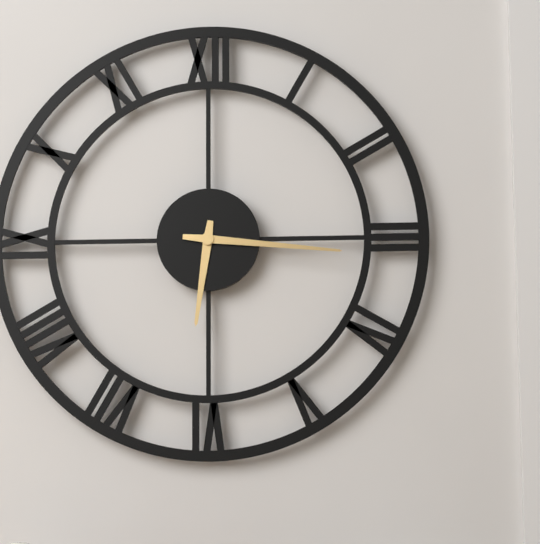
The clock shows 6.16
